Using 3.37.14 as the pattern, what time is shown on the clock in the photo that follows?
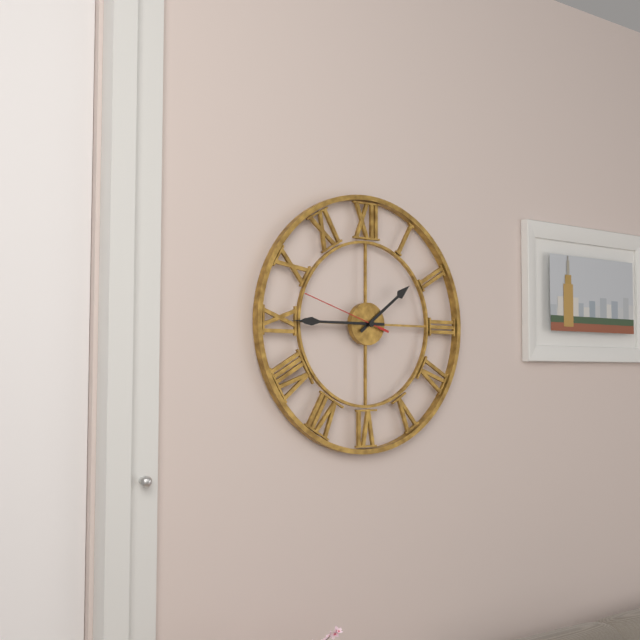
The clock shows 1.45.48
